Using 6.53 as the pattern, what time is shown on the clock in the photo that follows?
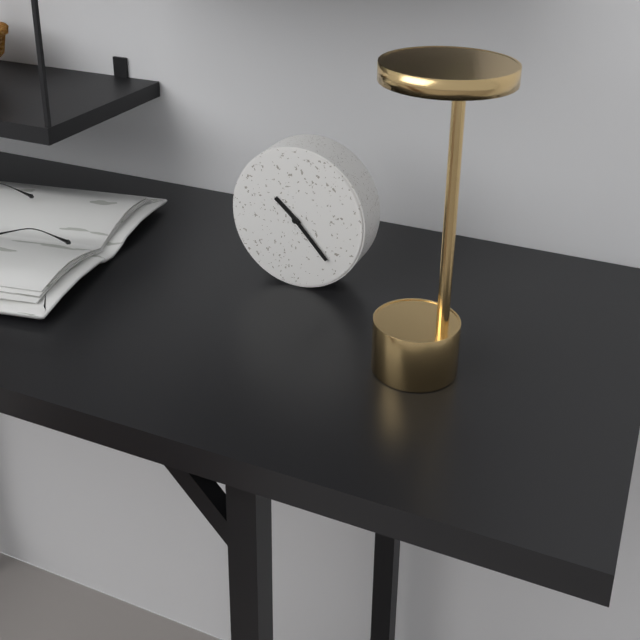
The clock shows 10.23
